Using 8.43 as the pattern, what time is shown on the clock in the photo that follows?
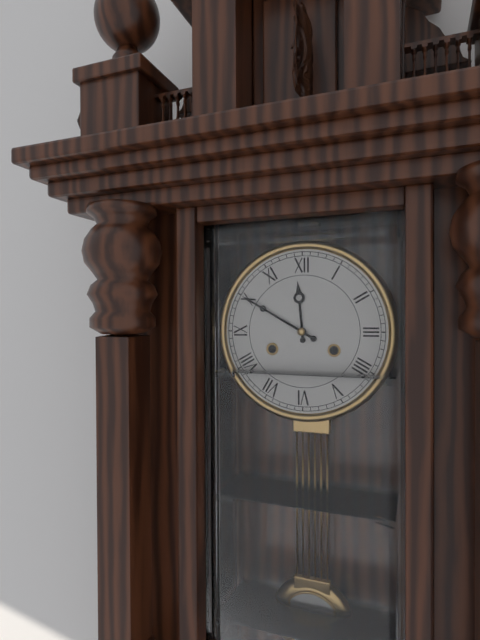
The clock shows 11.50
